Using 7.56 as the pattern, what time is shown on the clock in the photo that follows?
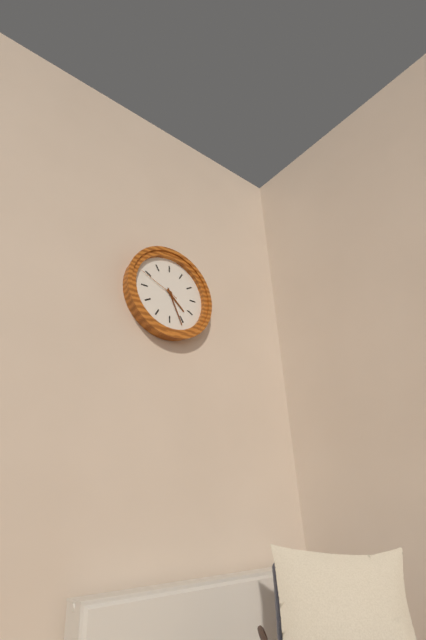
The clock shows 4.26
